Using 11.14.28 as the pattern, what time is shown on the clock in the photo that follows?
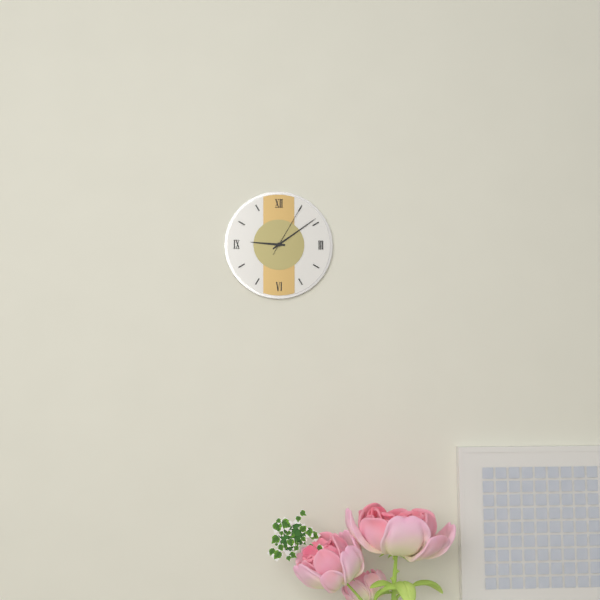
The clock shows 9.09.05
